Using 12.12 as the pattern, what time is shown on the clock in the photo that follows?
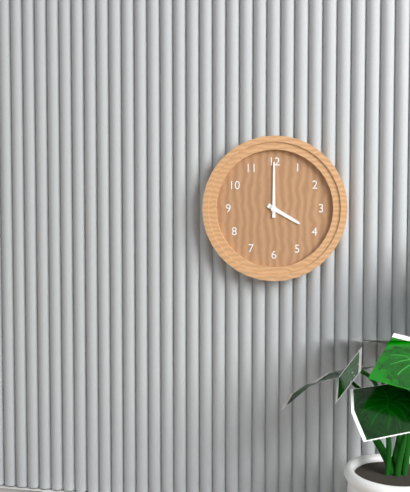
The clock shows 4.00
